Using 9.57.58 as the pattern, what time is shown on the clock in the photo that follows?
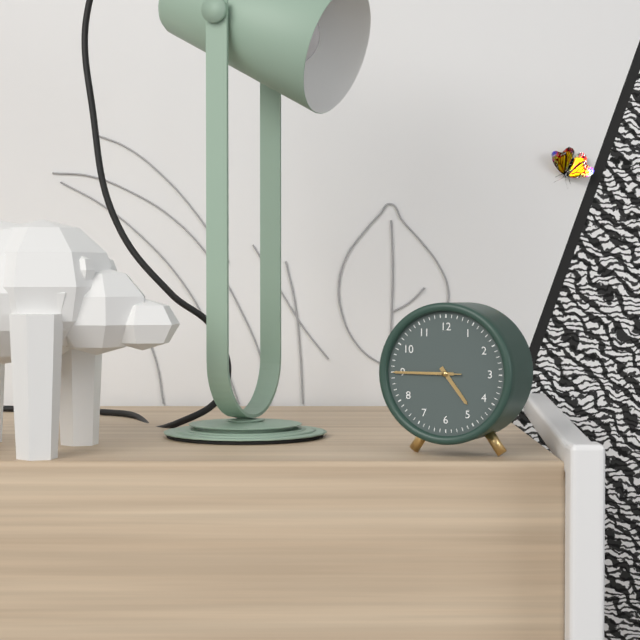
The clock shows 4.45.45
